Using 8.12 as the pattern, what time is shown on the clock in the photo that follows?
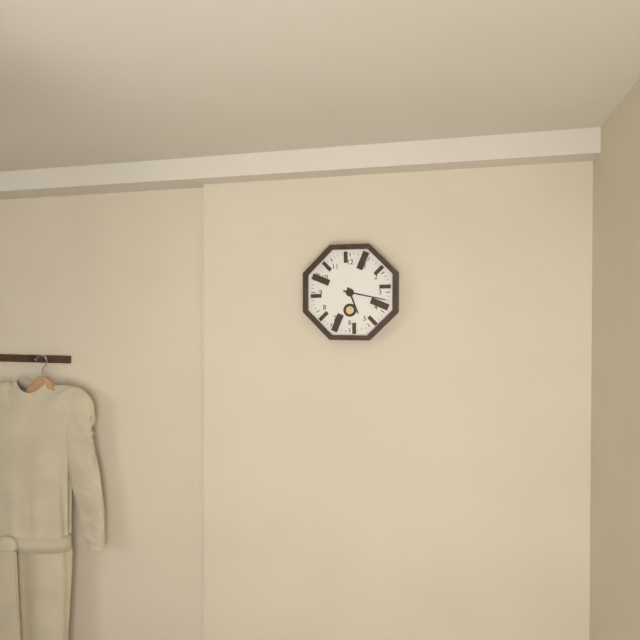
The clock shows 5.17
